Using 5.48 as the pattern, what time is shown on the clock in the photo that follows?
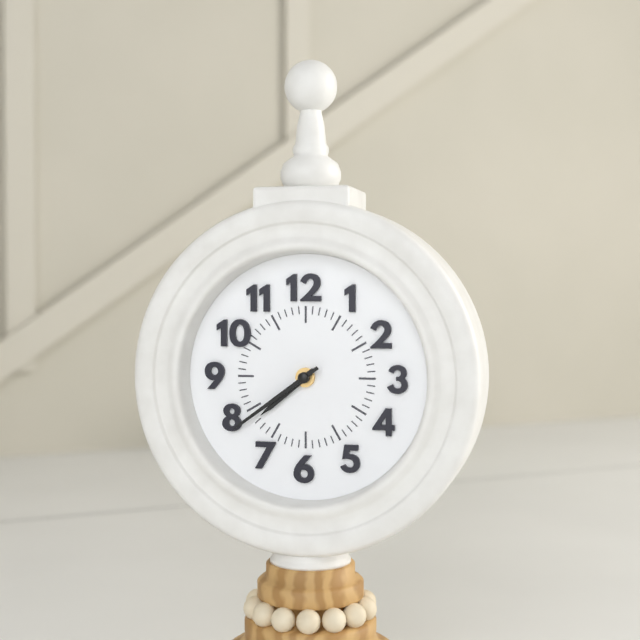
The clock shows 7.39
